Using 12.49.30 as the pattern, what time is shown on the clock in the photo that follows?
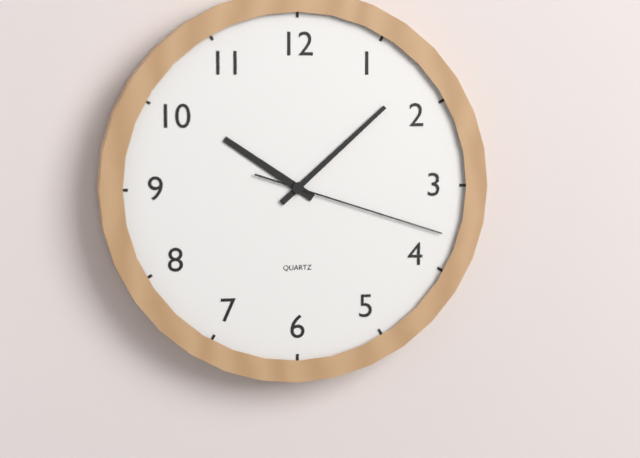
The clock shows 10.08.18
